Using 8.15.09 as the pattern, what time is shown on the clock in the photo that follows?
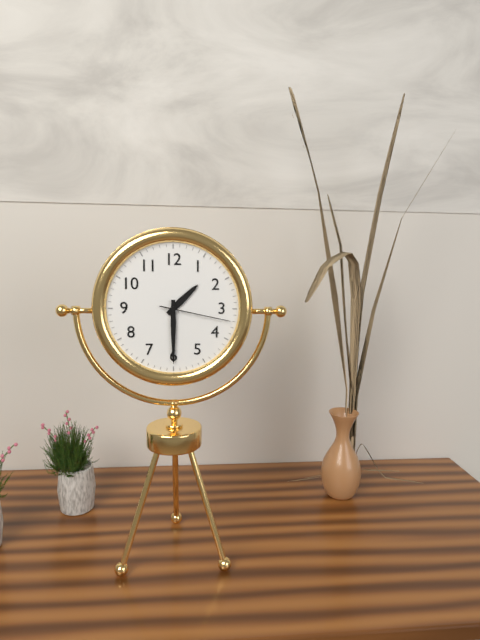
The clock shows 1.30.17
